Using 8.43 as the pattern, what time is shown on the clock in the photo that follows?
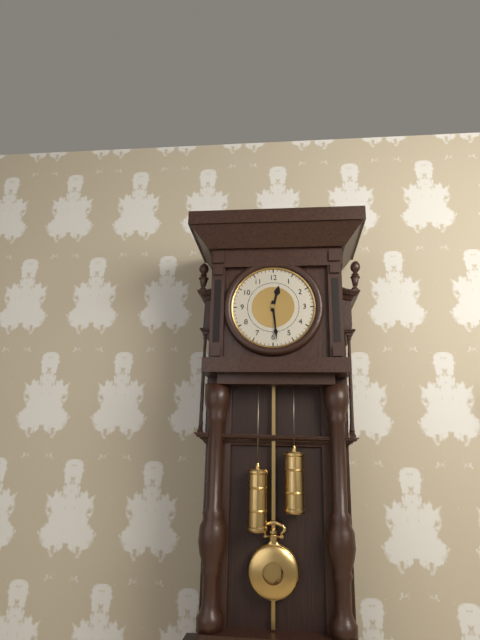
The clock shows 12.29
